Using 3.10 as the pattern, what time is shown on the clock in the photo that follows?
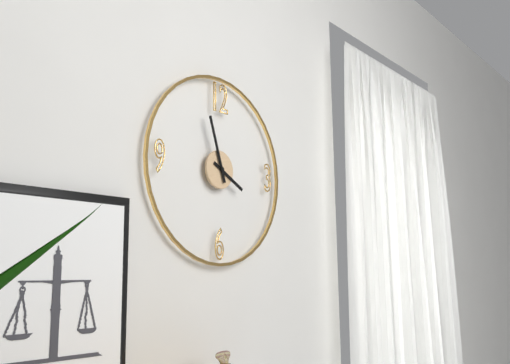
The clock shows 3.57
